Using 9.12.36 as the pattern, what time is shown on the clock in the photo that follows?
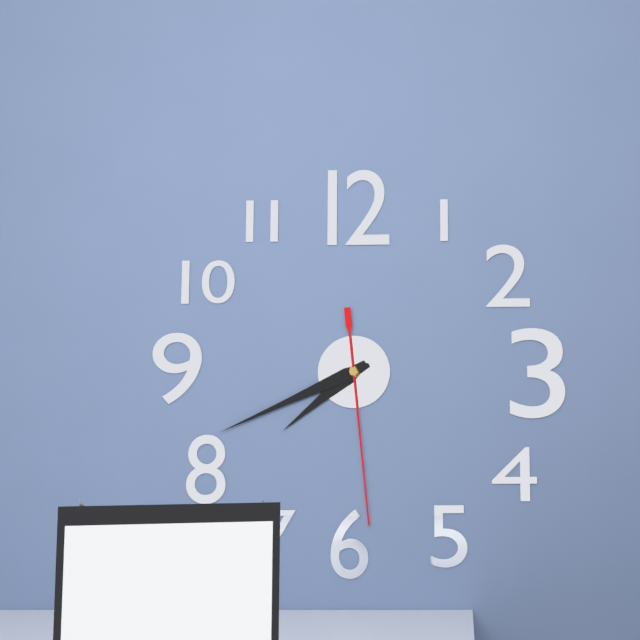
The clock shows 7.41.29
